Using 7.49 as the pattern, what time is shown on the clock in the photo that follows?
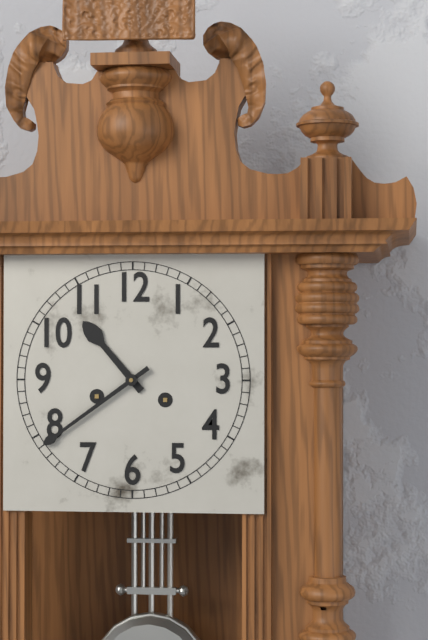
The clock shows 10.39
